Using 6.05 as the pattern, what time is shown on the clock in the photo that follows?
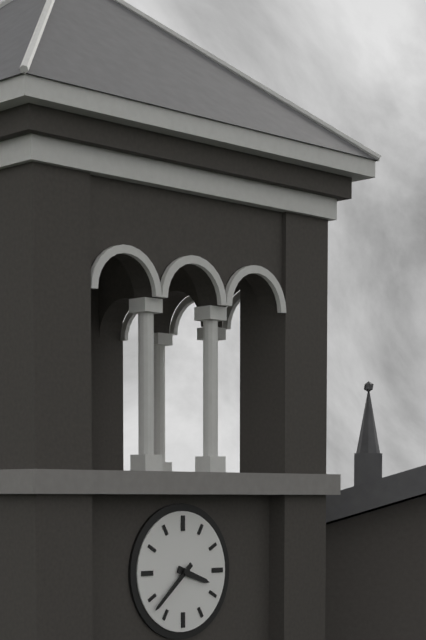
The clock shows 3.38
